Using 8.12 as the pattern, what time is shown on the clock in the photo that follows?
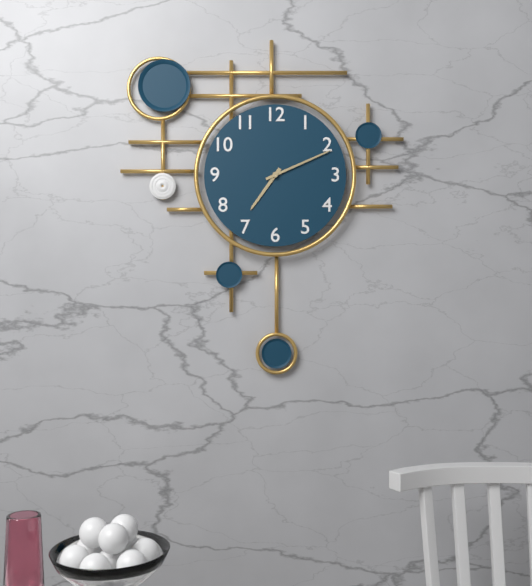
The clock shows 7.11
